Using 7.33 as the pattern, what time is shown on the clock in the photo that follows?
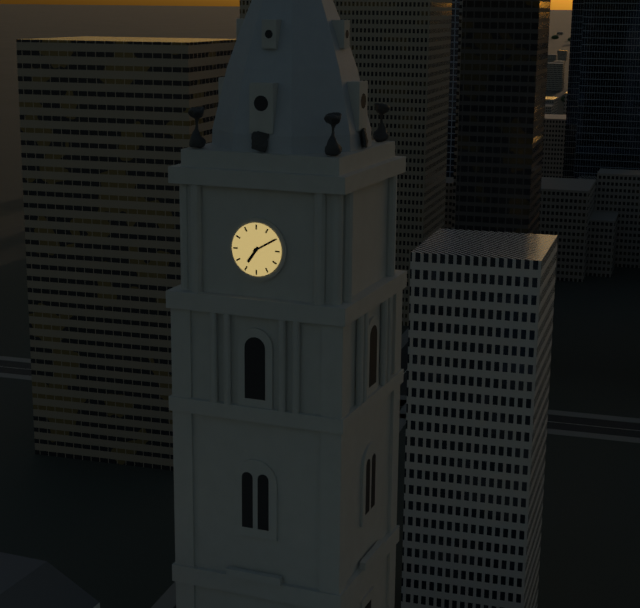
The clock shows 7.10
